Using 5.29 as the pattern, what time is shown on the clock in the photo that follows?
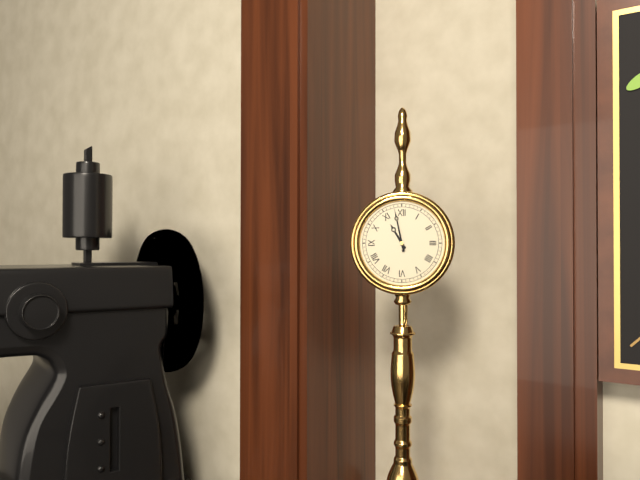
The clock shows 10.58
